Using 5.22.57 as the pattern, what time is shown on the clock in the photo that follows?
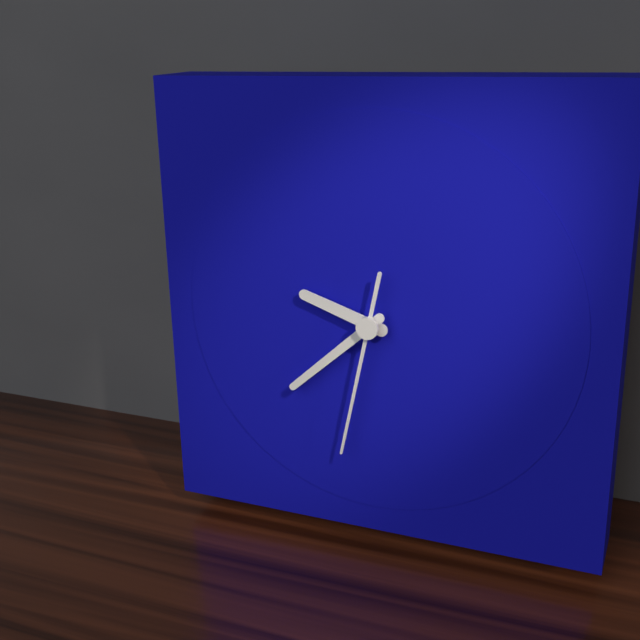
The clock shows 9.38.32
